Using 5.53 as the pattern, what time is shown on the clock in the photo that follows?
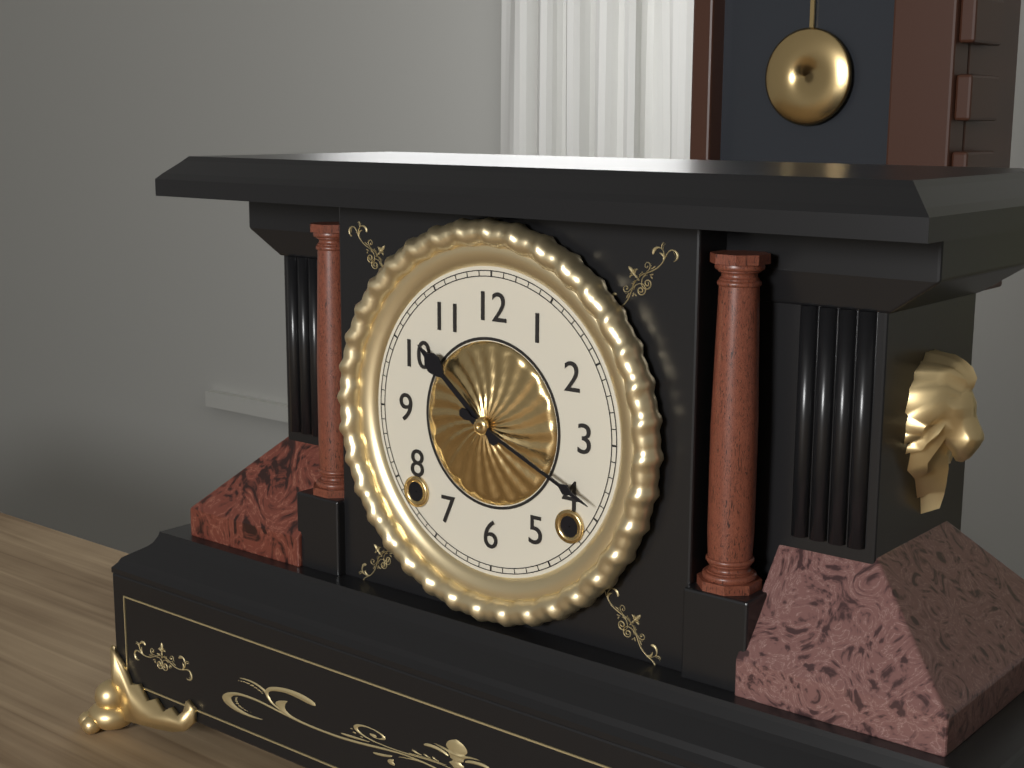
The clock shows 10.19
